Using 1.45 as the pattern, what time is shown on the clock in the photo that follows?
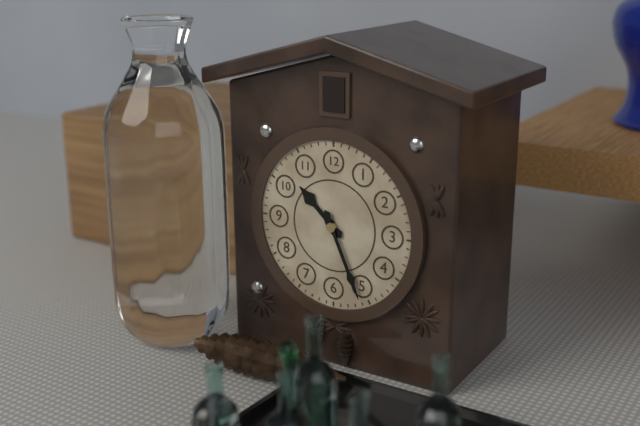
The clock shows 10.26
